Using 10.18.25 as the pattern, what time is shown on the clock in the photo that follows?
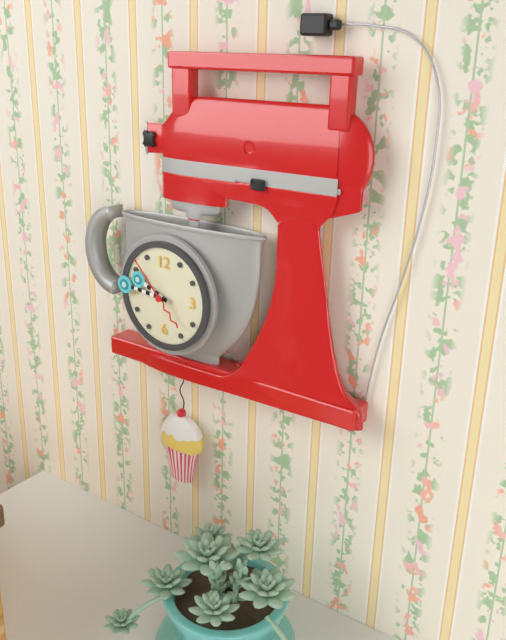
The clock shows 9.46.53
